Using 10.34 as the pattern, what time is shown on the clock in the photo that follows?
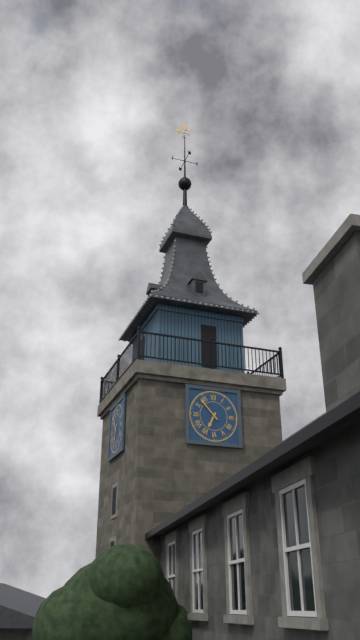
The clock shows 6.53
